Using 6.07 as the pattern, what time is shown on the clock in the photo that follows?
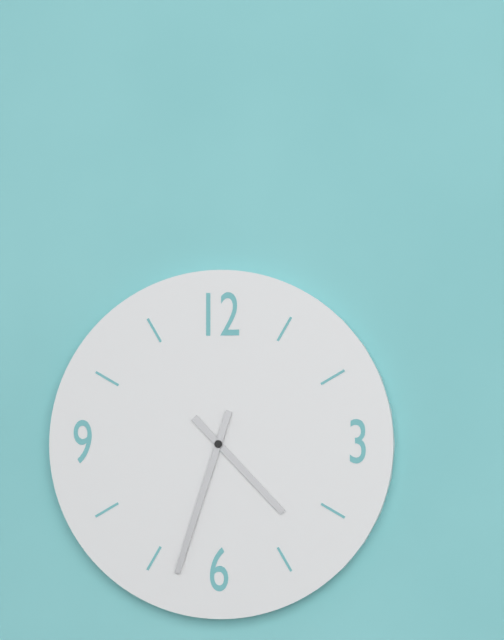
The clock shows 4.33
